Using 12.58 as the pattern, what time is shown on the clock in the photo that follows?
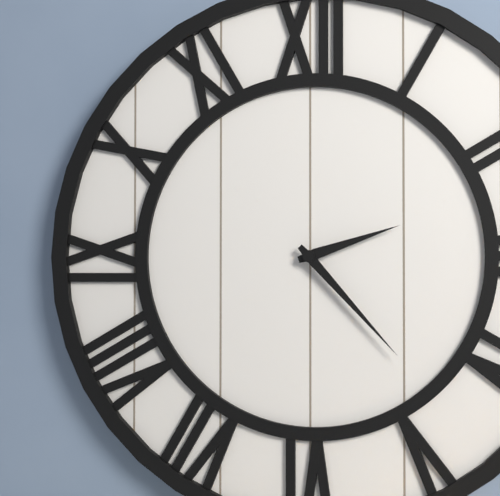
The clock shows 2.23
